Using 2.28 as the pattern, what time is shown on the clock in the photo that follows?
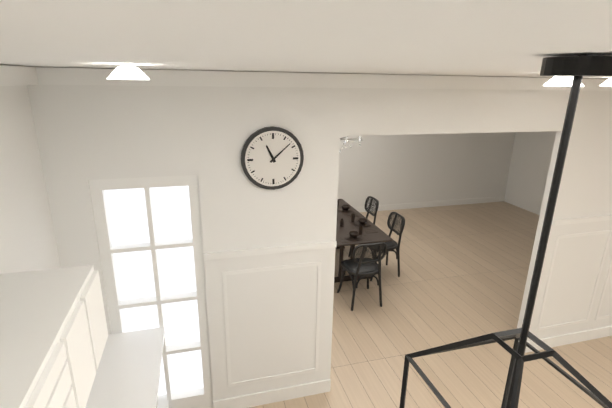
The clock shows 11.08
